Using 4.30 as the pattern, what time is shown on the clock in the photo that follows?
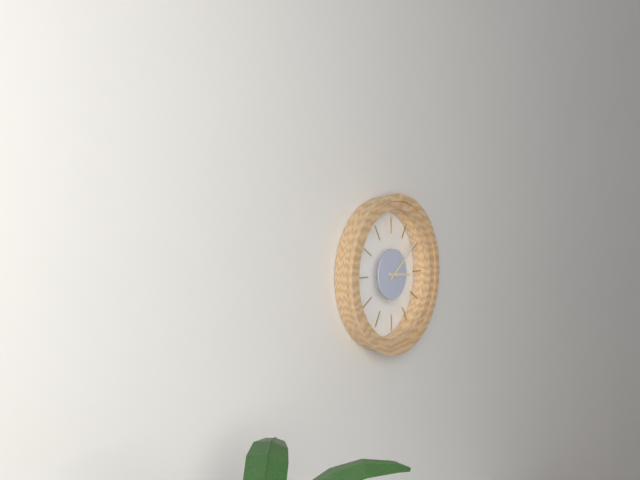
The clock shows 3.09
